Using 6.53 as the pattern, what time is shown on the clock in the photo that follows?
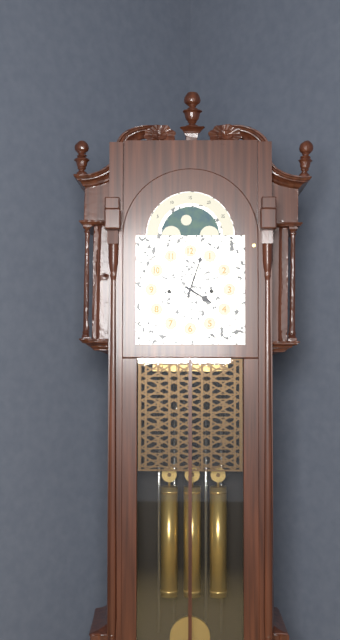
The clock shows 4.03
